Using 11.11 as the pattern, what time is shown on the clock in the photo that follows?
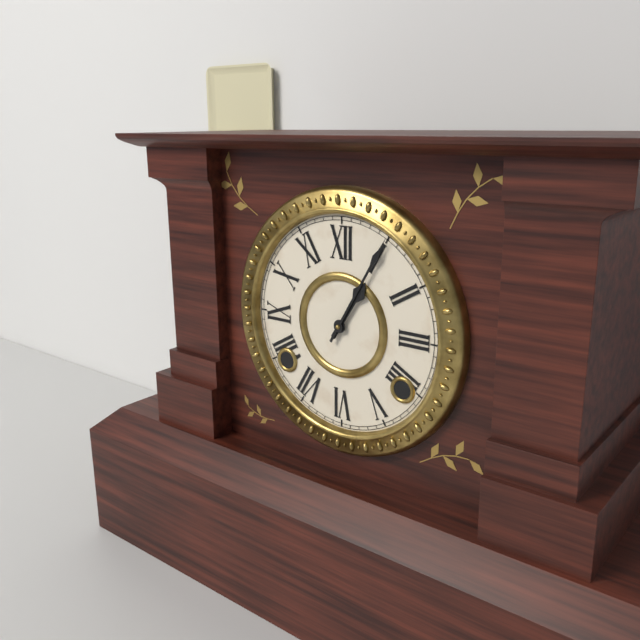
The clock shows 1.05
